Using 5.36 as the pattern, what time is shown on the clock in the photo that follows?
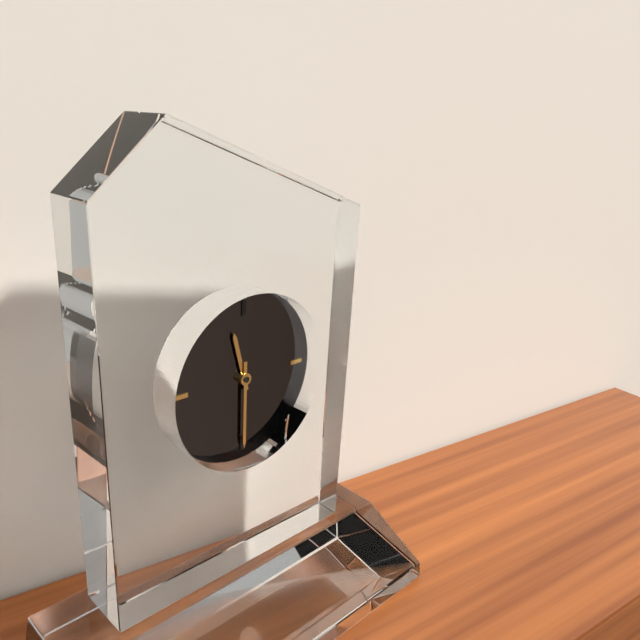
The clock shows 11.30
